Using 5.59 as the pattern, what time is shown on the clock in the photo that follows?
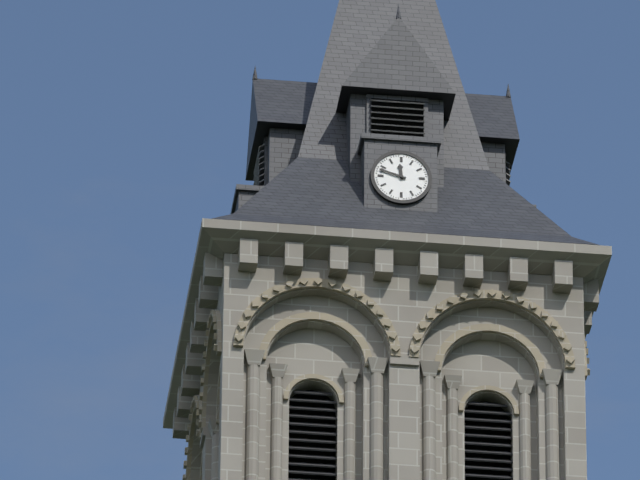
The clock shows 11.48
